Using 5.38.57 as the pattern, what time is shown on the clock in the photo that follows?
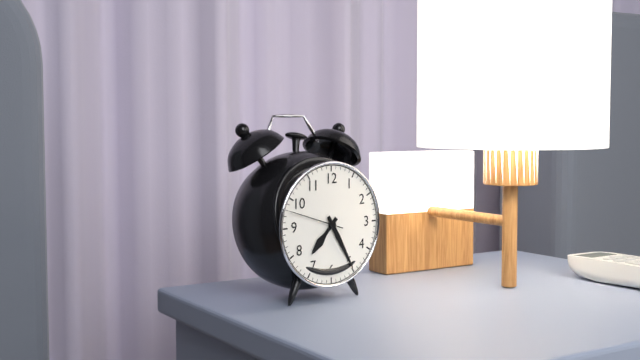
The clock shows 7.25.48
